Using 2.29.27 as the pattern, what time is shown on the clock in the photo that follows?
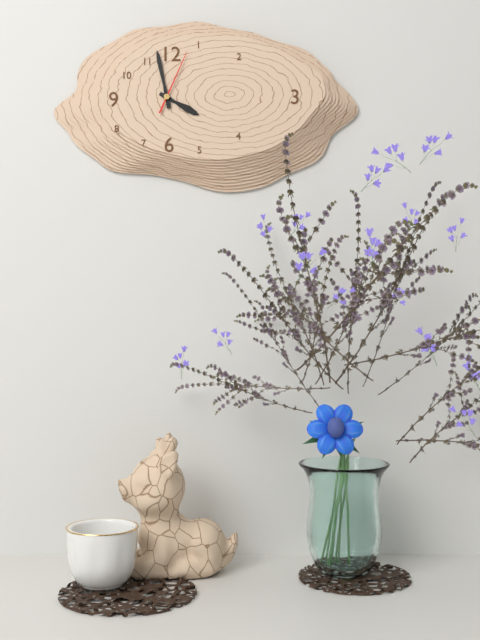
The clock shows 3.58.04
